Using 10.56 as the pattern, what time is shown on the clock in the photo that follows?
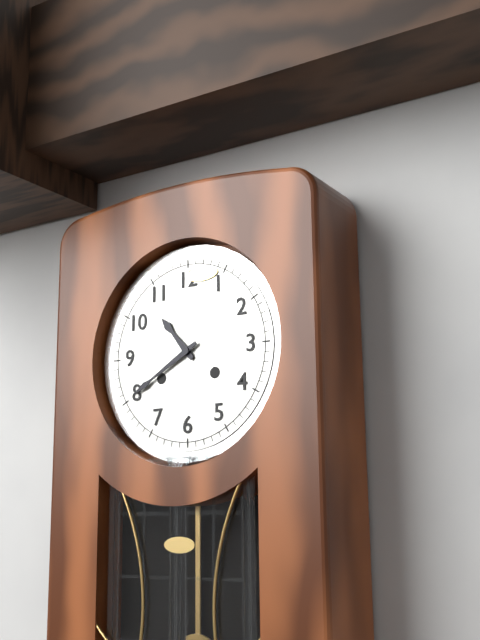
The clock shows 10.40
